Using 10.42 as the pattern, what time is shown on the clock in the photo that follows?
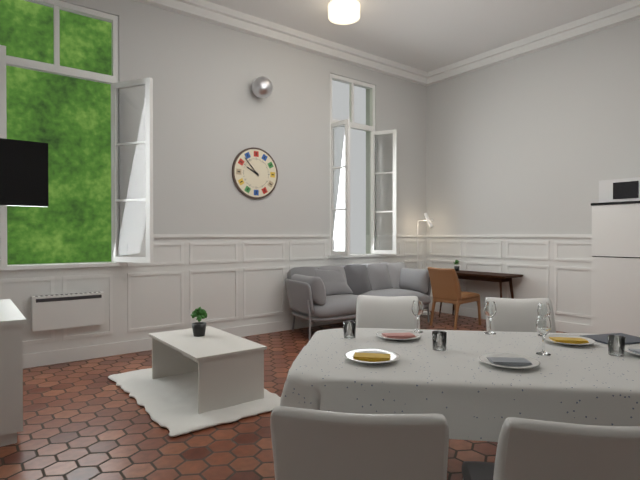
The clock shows 9.53
